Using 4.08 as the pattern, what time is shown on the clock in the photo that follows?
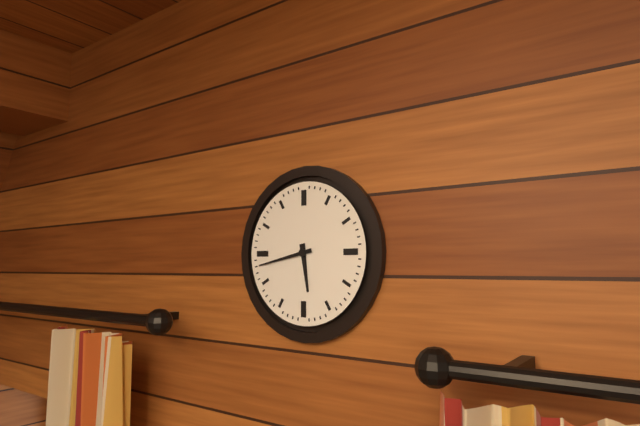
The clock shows 5.43
